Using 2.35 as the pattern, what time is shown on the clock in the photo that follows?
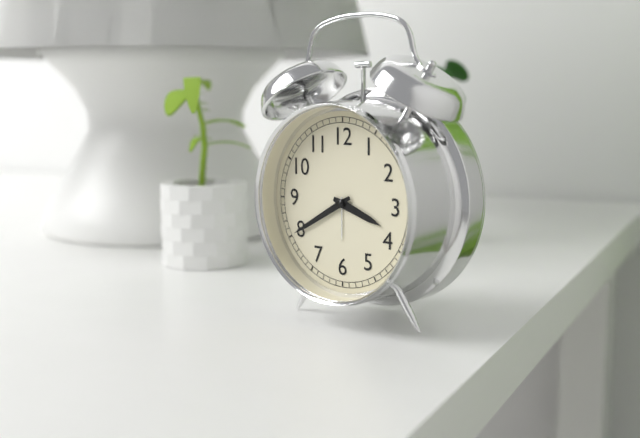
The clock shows 3.40
